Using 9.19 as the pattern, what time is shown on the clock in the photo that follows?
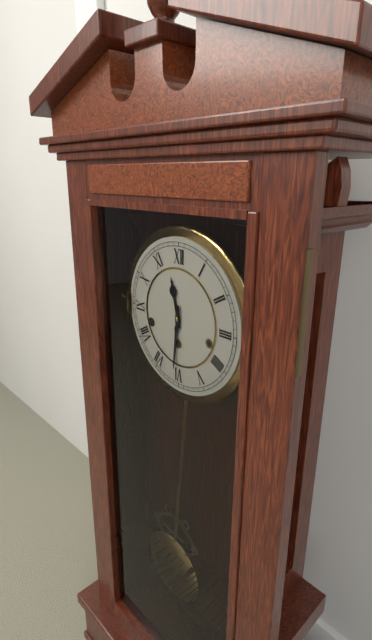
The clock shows 11.31
